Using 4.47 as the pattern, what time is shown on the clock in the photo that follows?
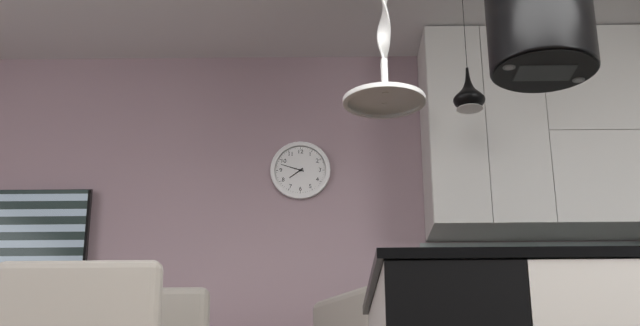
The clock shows 7.48
